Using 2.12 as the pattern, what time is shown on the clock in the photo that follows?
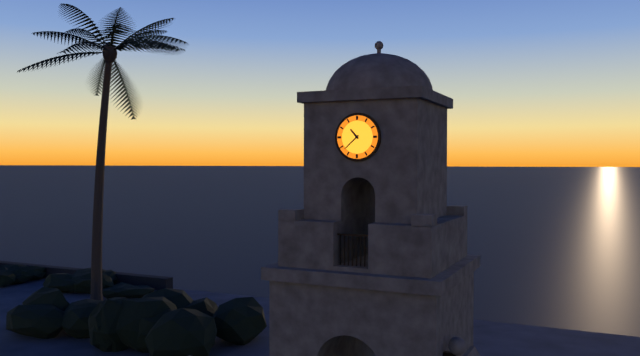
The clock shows 10.38
